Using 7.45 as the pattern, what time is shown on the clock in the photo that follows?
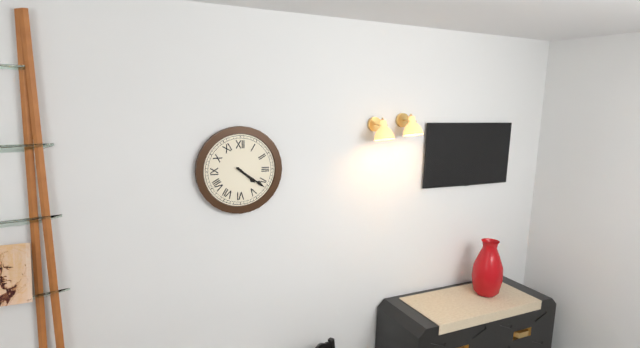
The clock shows 4.21
